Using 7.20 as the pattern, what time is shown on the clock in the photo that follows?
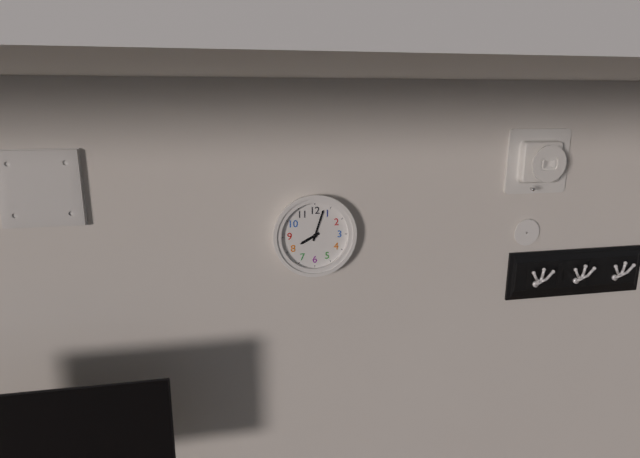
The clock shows 8.03
